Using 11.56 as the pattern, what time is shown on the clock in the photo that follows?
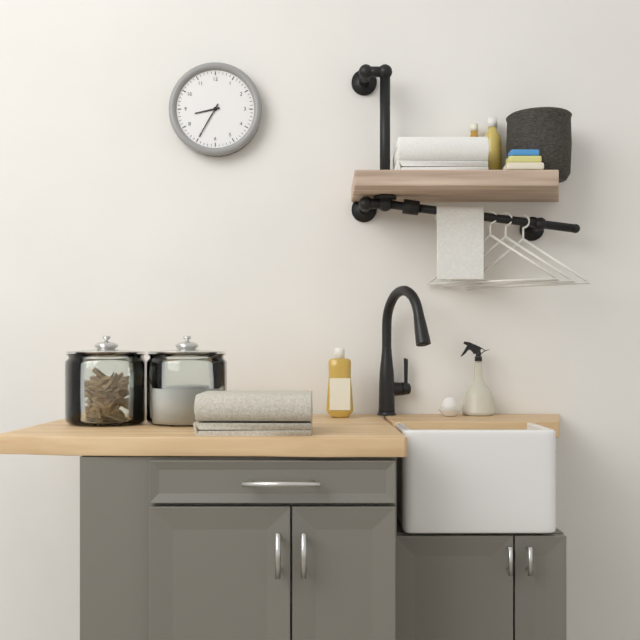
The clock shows 8.35
